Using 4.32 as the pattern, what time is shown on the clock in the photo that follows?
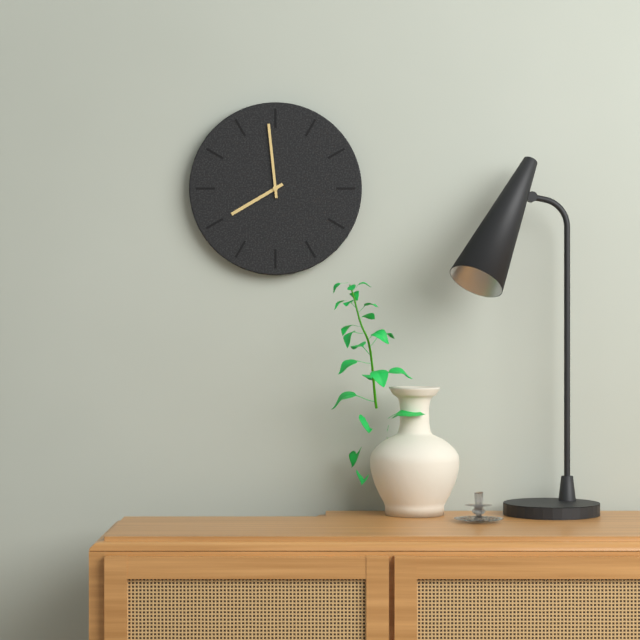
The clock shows 7.59
